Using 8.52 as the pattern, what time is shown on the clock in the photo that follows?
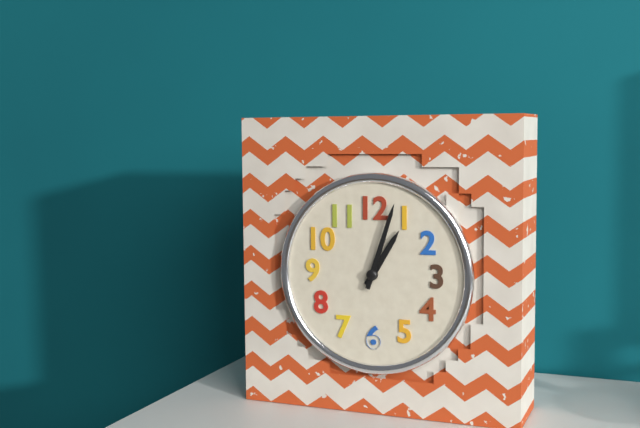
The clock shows 1.03
